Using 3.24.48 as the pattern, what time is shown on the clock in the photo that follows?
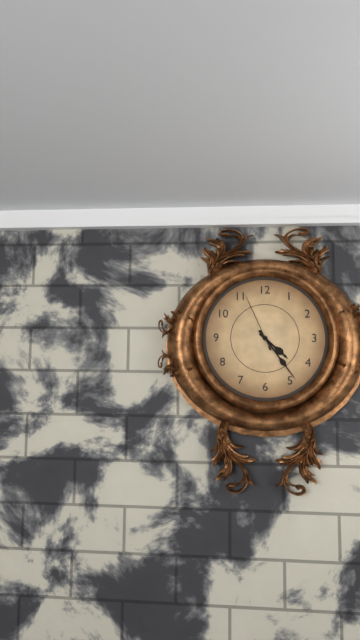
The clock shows 4.24.56
